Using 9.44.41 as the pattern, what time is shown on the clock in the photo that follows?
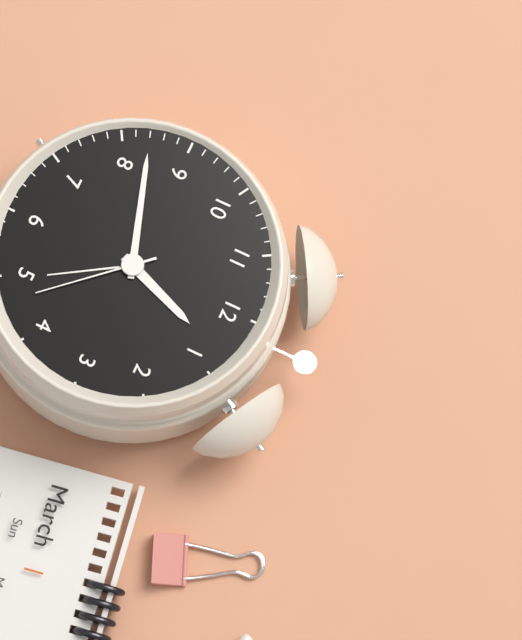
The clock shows 12.42.23
